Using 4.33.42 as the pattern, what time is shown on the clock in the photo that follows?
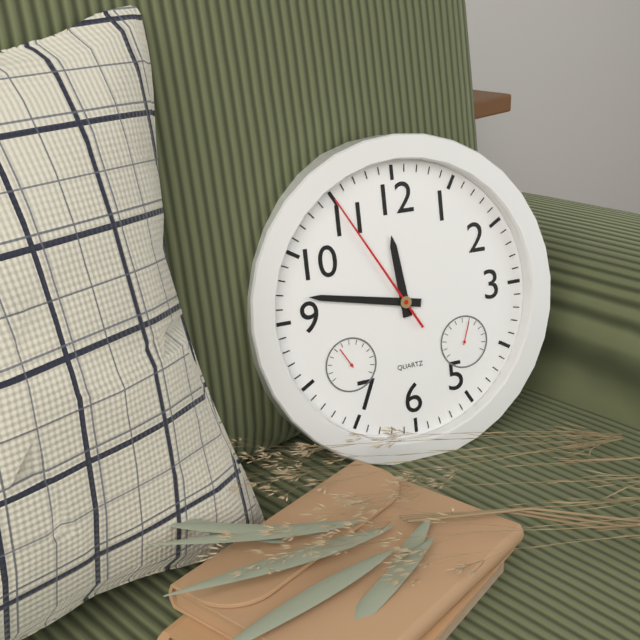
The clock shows 11.47.55
